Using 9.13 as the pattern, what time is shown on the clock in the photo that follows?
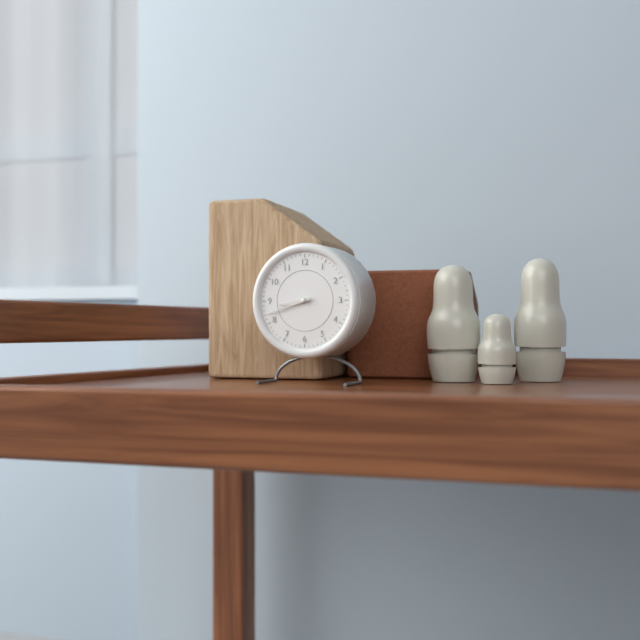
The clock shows 8.42
